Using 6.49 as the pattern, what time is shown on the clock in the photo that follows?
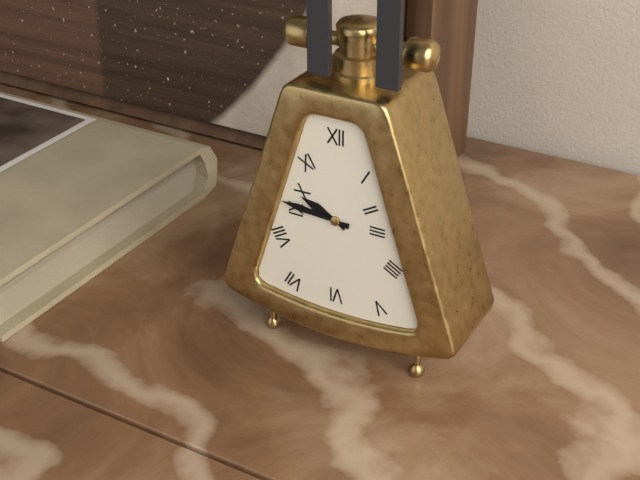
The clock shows 9.46
